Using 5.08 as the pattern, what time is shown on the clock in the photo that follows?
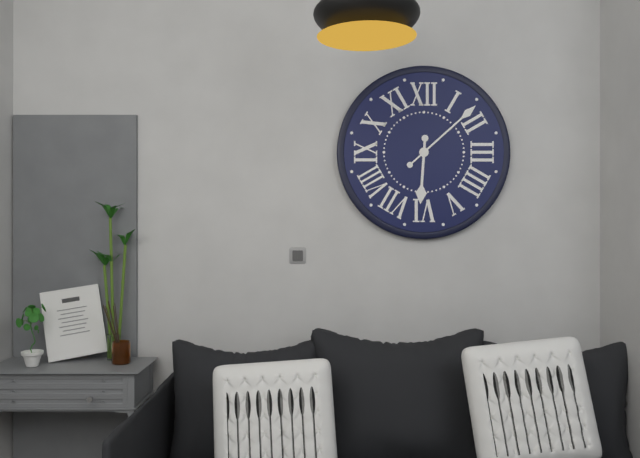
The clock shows 6.08
